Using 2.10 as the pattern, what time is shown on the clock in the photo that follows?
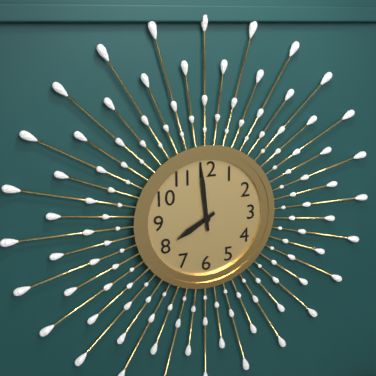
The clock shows 7.59
